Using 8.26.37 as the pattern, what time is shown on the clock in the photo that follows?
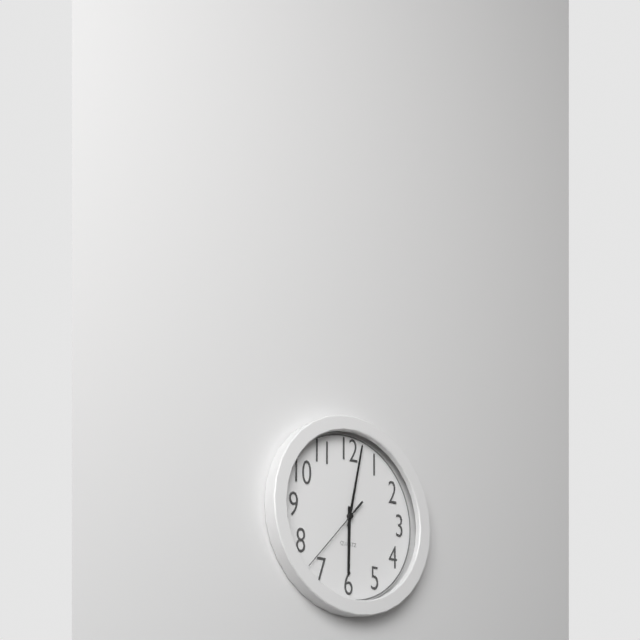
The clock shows 6.02.37
